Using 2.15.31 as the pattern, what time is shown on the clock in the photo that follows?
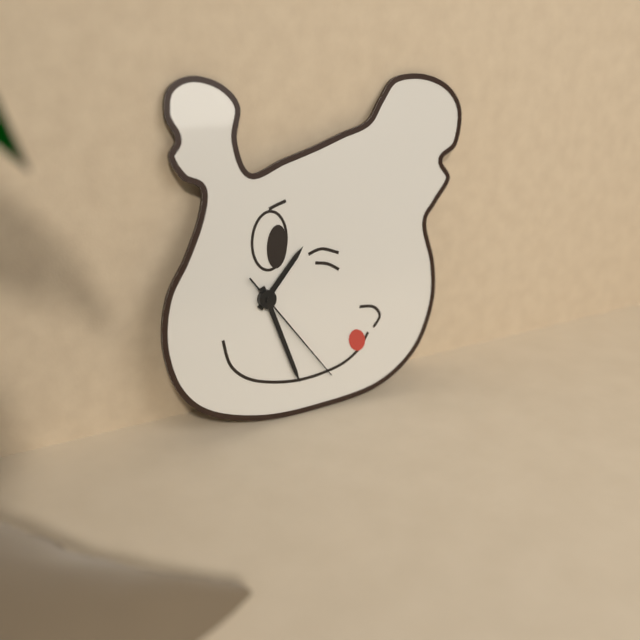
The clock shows 1.27.24
